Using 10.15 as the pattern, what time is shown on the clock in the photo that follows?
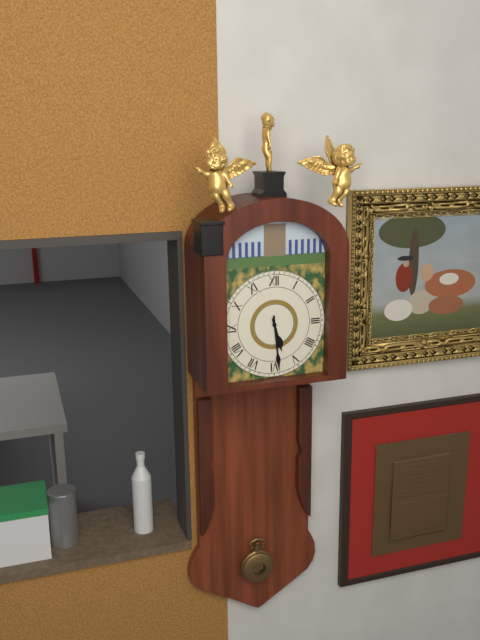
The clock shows 5.29
